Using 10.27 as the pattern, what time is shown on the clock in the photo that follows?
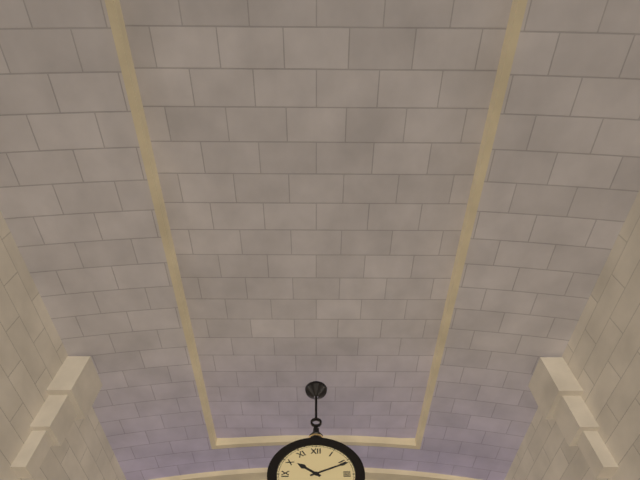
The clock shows 10.11
